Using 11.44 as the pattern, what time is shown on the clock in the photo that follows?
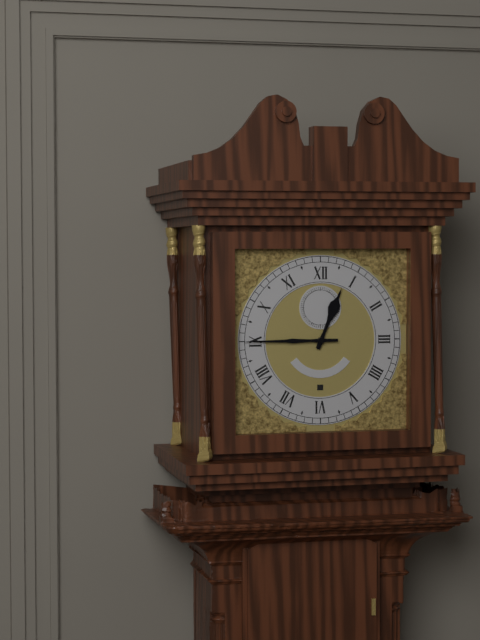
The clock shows 12.45
